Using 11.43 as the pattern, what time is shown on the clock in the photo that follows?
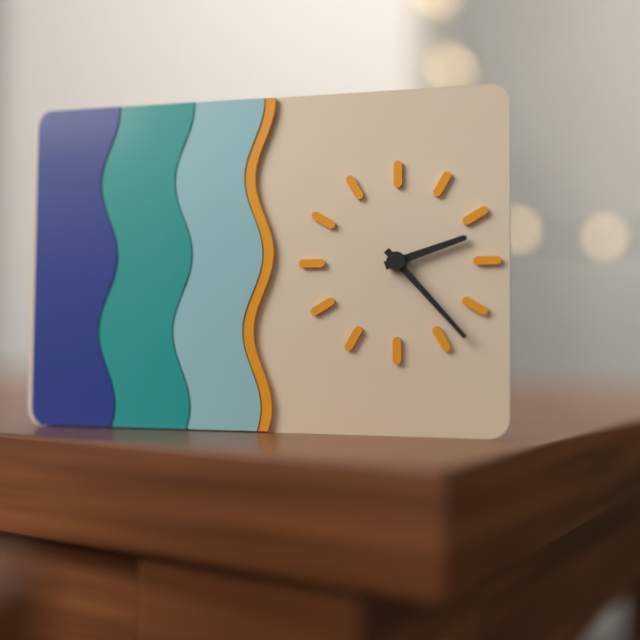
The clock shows 2.23
